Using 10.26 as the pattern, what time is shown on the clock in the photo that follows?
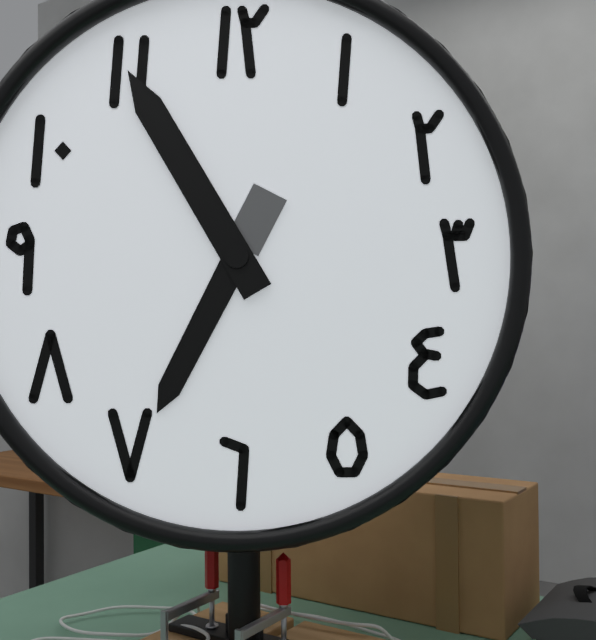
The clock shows 6.55
